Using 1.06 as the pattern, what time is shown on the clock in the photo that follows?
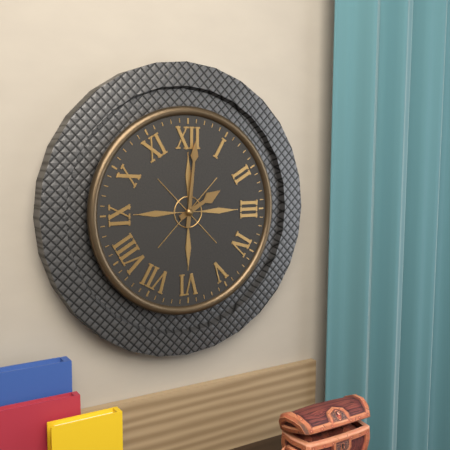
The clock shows 2.01
